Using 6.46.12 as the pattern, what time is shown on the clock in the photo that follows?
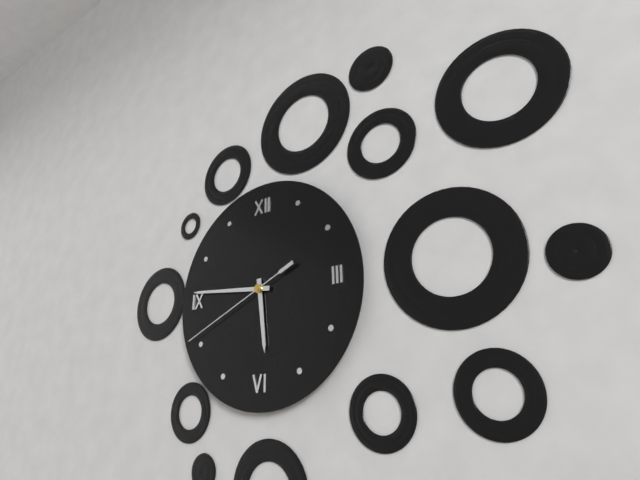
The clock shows 5.46.41
